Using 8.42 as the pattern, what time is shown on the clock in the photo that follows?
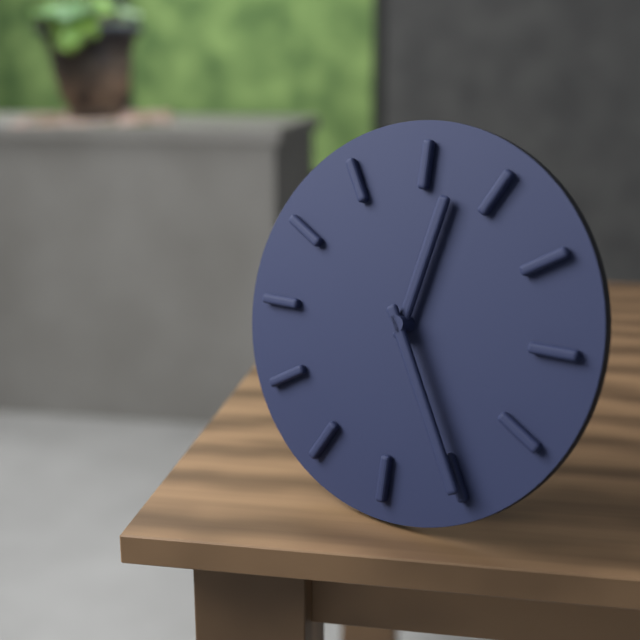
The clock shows 12.25
